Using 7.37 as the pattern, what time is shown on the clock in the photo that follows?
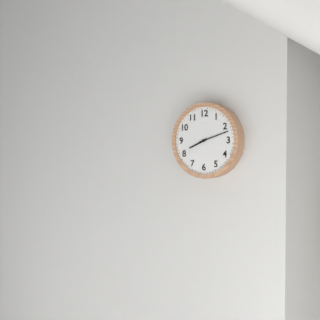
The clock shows 8.12
